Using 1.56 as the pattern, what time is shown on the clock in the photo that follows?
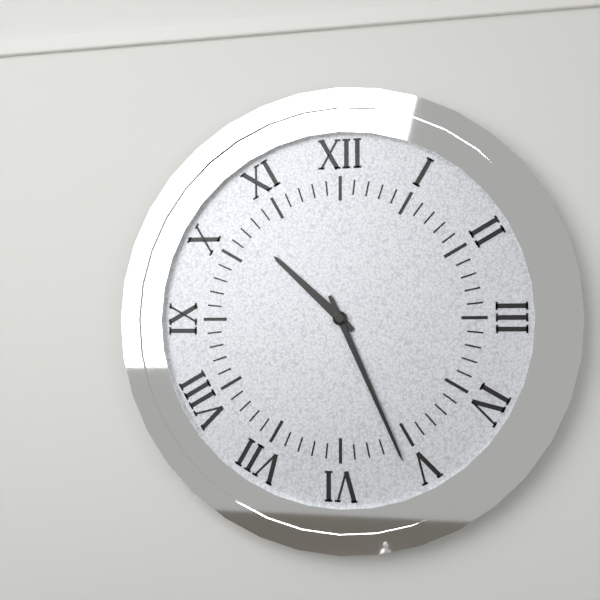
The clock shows 10.26
